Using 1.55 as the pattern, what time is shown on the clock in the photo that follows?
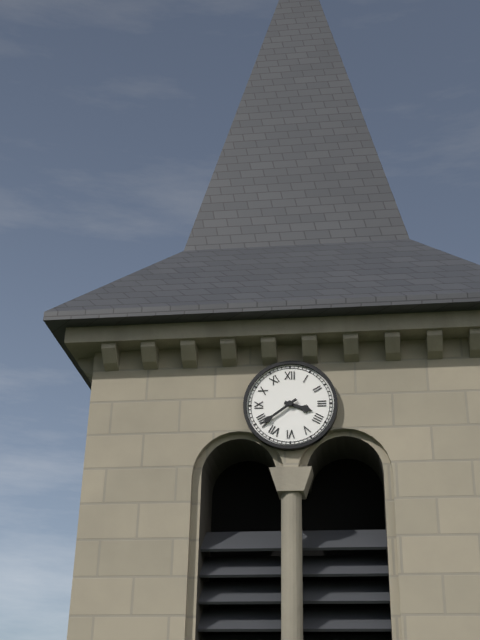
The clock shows 3.39
